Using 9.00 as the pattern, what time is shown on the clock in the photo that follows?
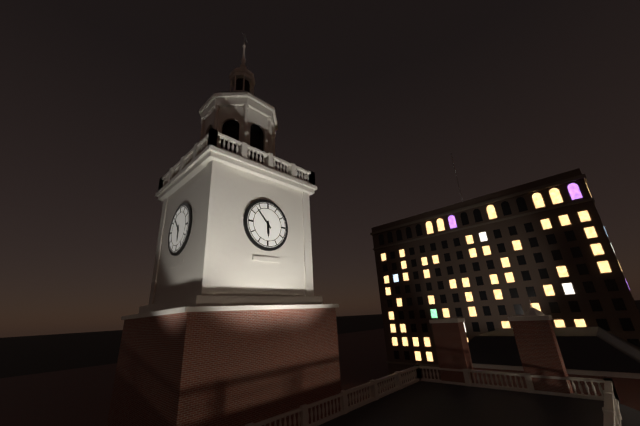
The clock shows 5.53
